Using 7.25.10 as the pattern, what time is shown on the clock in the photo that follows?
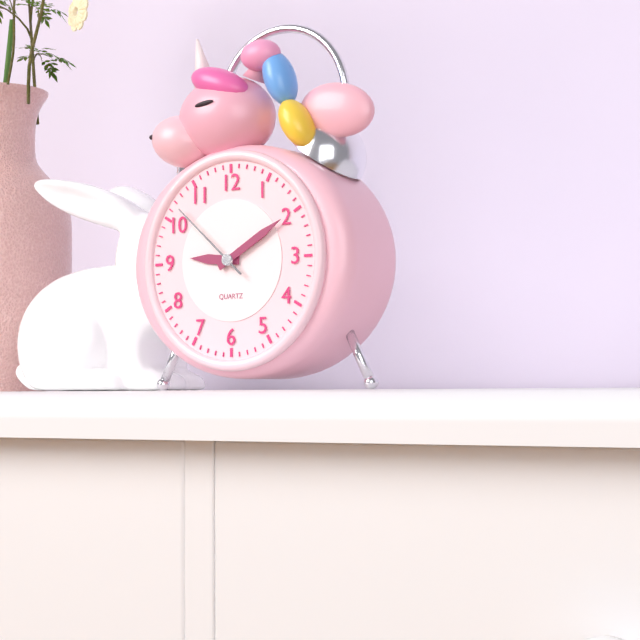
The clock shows 9.10.52
